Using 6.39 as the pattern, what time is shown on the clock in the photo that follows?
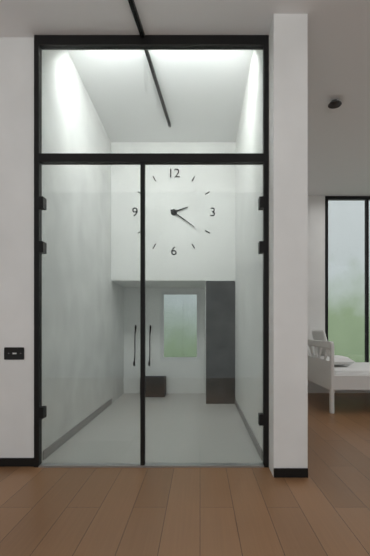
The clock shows 2.21
